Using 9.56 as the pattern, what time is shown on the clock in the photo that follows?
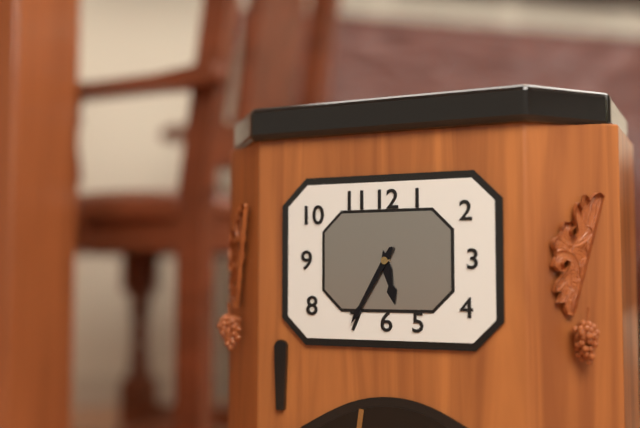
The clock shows 5.35
